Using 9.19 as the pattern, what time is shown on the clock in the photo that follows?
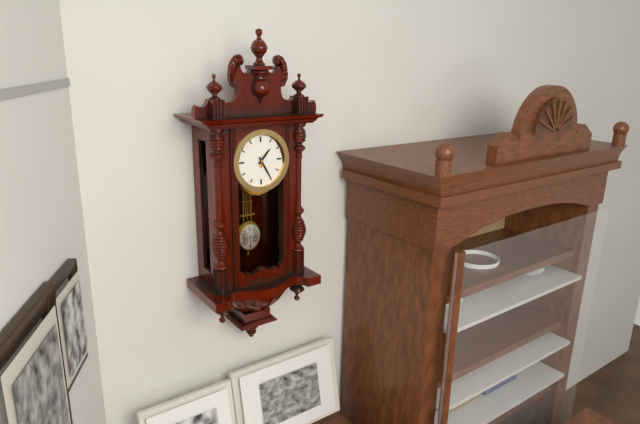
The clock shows 1.25
